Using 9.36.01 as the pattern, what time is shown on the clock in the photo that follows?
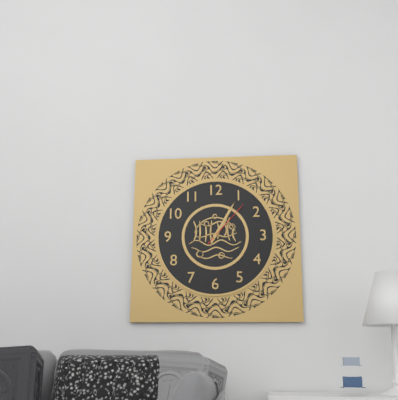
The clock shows 1.05.07
